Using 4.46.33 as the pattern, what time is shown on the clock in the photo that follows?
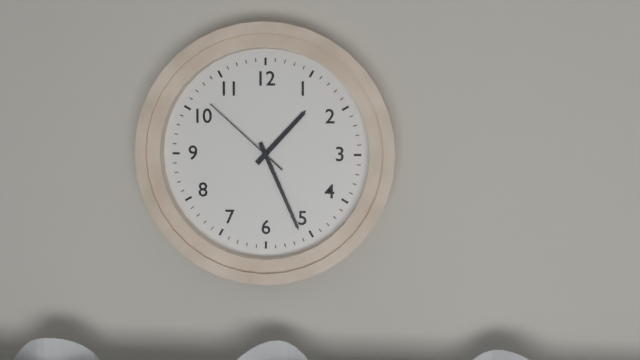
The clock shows 1.26.52
